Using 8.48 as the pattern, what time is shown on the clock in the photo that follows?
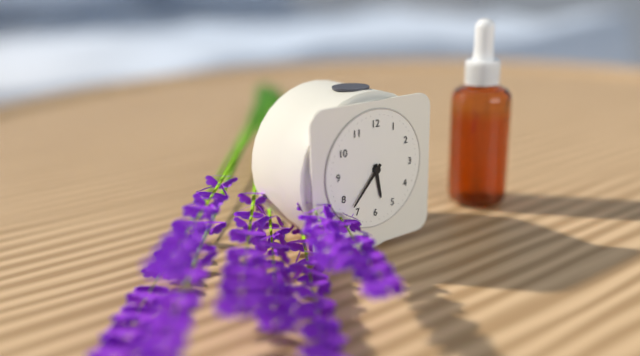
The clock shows 5.37
